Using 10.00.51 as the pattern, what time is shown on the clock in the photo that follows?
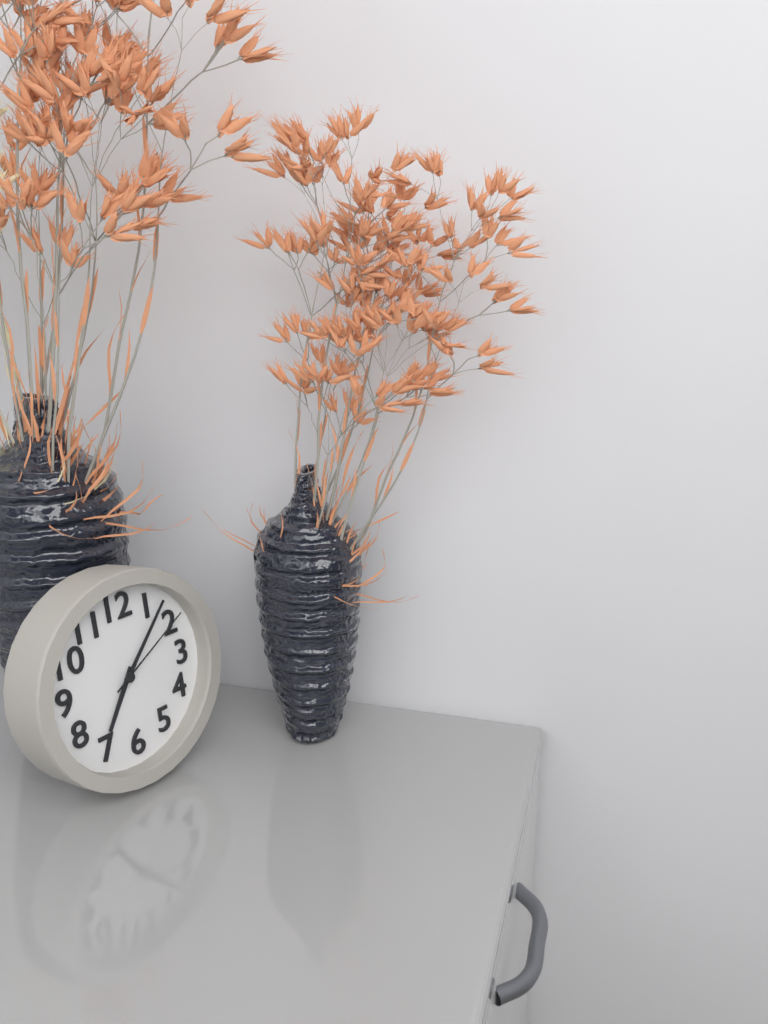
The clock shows 7.07.10
